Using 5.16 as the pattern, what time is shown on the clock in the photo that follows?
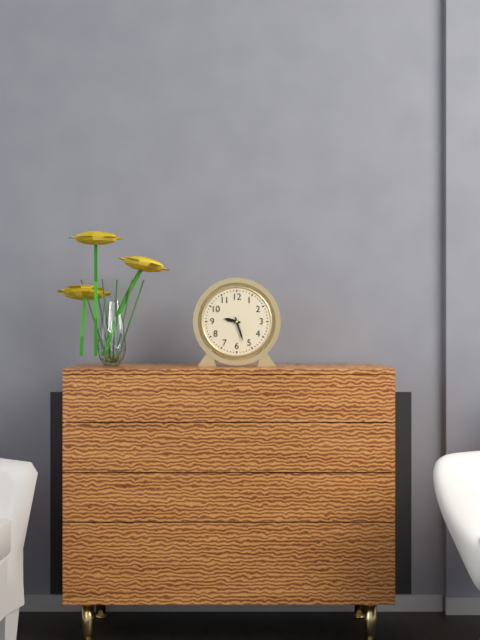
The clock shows 9.27
